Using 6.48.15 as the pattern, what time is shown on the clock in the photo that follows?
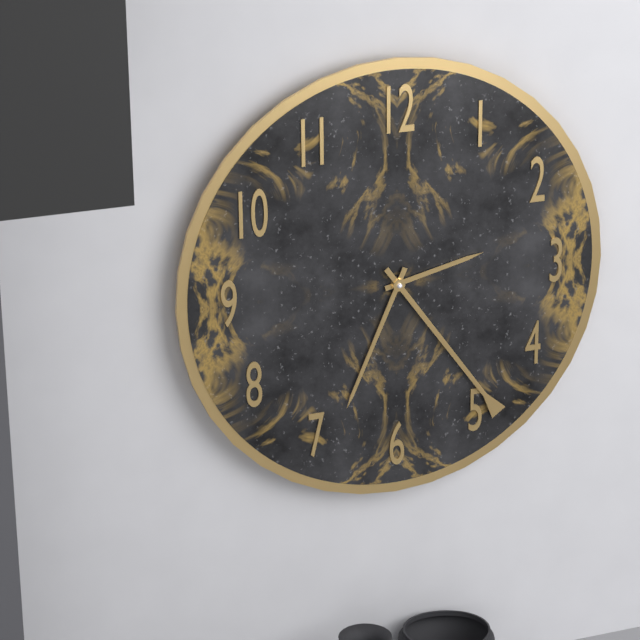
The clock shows 2.34.24
